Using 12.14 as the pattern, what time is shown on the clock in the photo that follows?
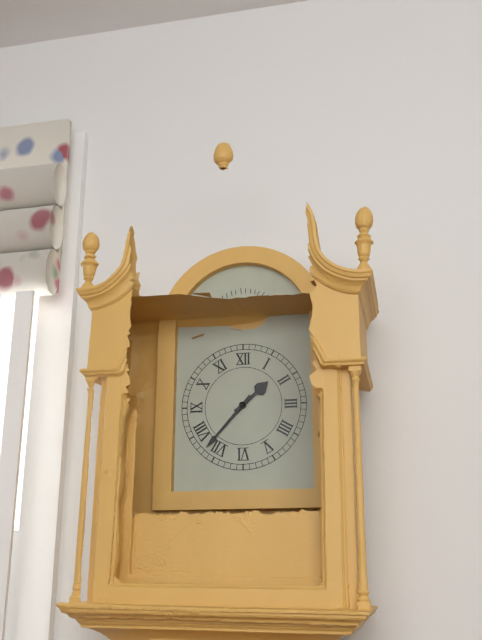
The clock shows 1.37
